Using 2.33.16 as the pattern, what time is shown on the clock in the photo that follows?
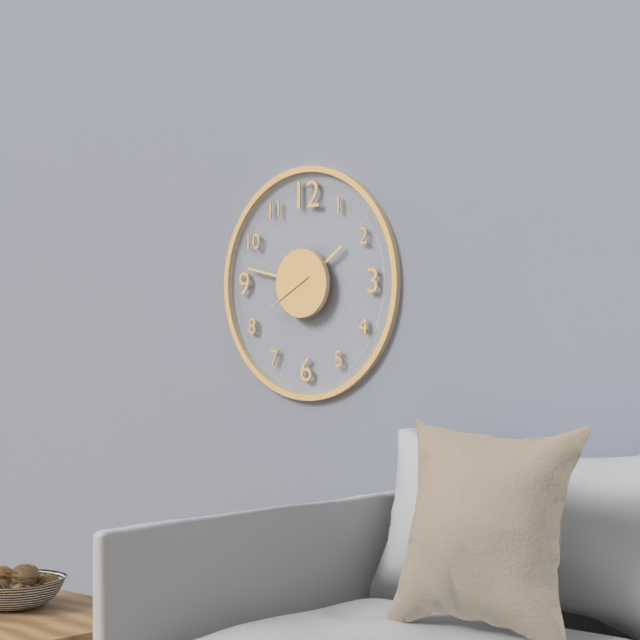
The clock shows 1.47.40
